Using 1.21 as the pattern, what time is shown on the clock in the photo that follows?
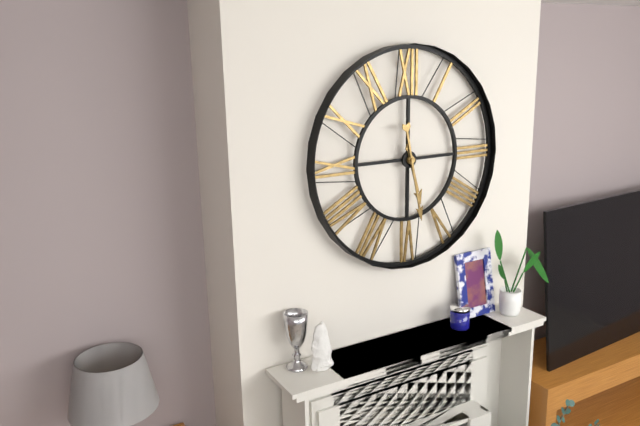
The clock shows 5.28
